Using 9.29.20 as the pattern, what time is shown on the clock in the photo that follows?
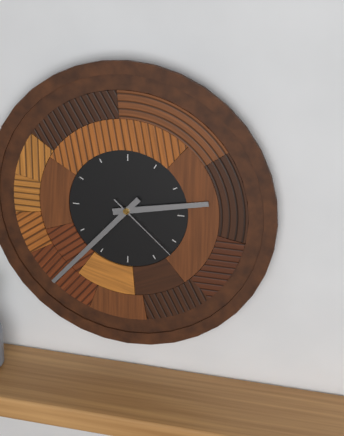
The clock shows 2.37.22
